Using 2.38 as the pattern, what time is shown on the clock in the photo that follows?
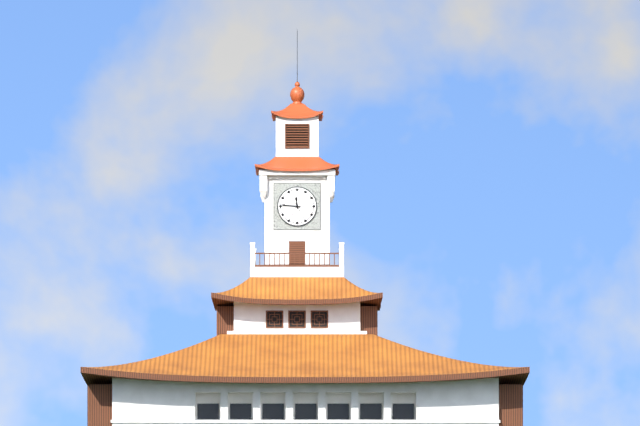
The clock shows 11.46
